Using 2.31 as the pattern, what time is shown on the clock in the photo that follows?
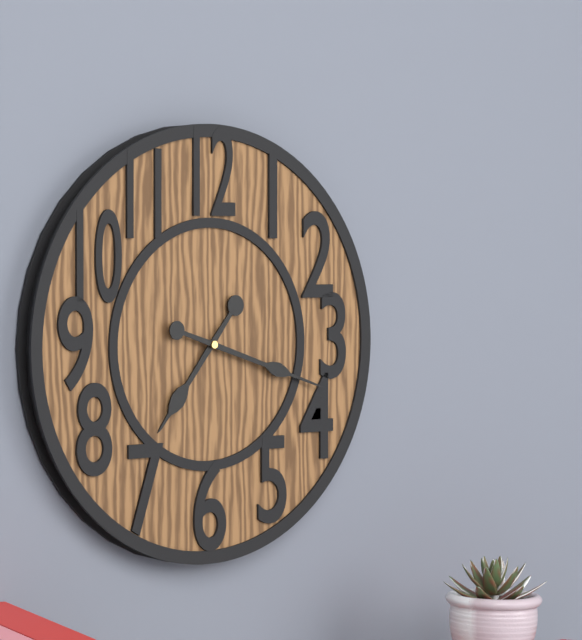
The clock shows 7.18
